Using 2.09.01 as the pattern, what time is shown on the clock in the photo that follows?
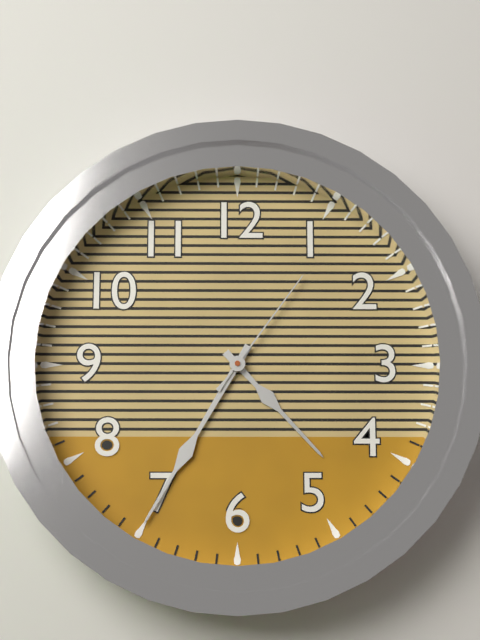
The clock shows 4.35.06
